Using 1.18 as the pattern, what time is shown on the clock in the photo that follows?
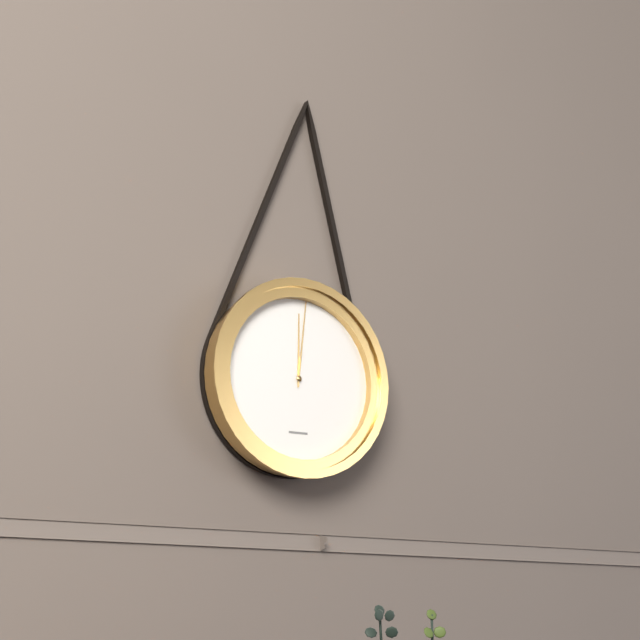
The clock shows 12.01
